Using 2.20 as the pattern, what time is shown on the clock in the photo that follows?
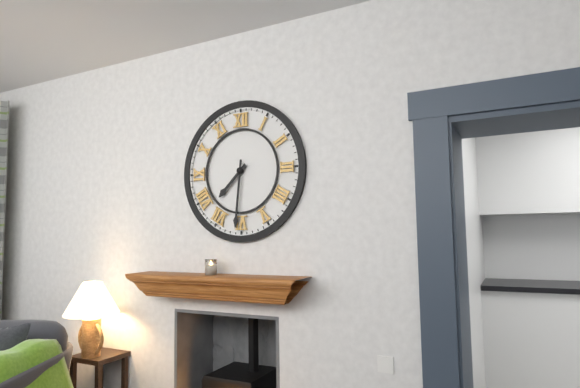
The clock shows 7.31
